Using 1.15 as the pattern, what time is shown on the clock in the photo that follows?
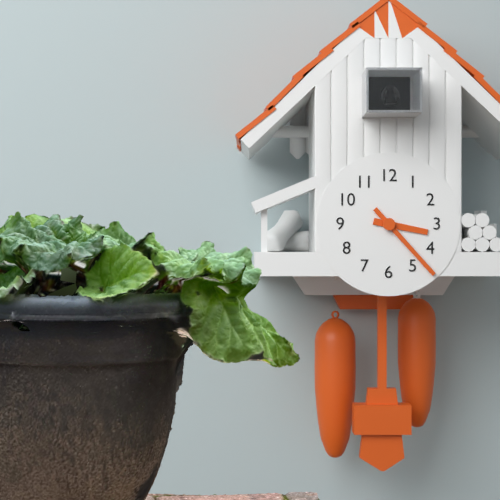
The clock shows 3.23
